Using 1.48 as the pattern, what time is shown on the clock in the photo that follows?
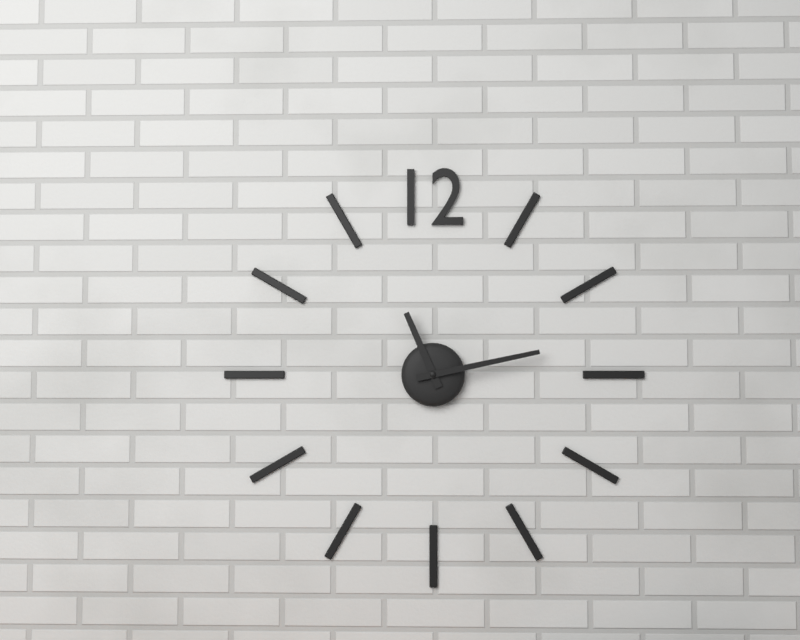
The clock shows 11.13
